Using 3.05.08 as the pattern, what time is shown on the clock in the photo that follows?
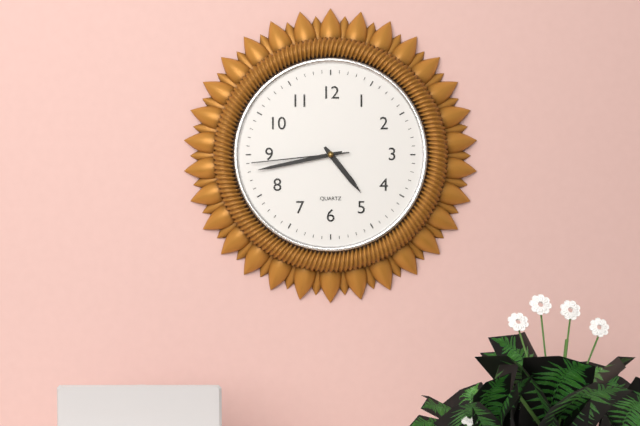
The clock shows 4.43.44
